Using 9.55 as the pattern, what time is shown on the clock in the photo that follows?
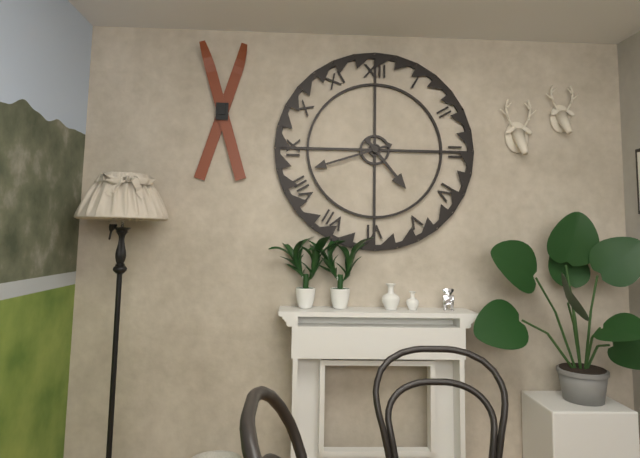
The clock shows 4.42
